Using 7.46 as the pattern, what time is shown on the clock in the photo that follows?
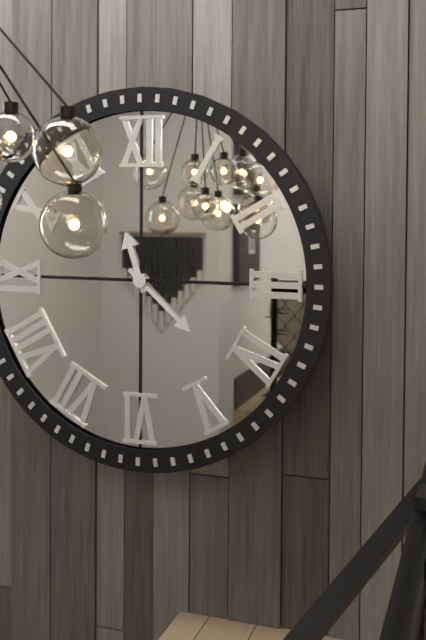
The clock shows 11.22
